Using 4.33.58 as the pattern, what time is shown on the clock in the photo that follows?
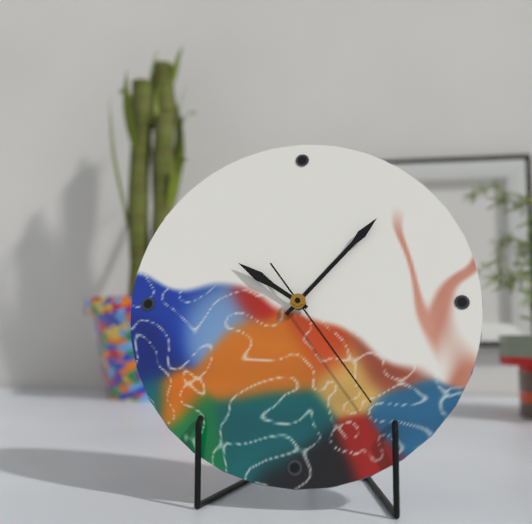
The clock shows 10.07.24
